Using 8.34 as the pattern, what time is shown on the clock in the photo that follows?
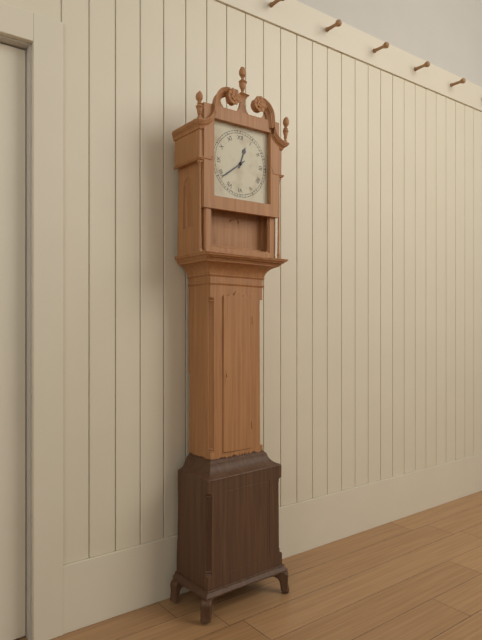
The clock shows 12.39
